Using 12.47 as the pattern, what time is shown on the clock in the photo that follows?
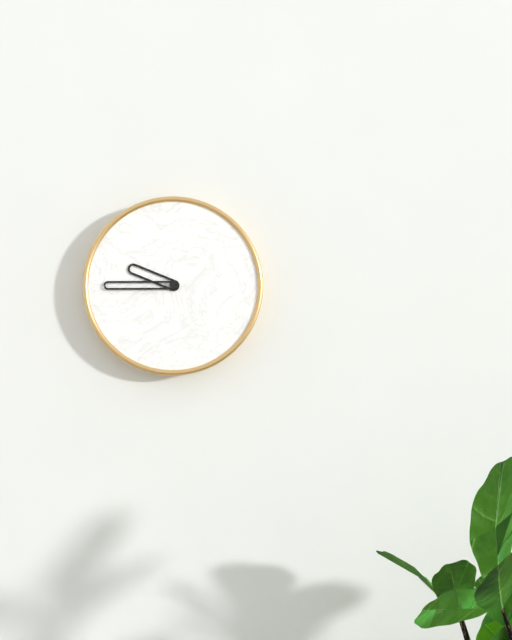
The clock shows 9.45
